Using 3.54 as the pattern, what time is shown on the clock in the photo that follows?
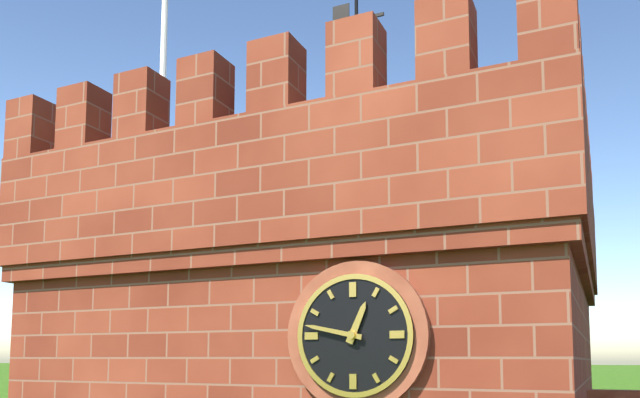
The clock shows 12.47
